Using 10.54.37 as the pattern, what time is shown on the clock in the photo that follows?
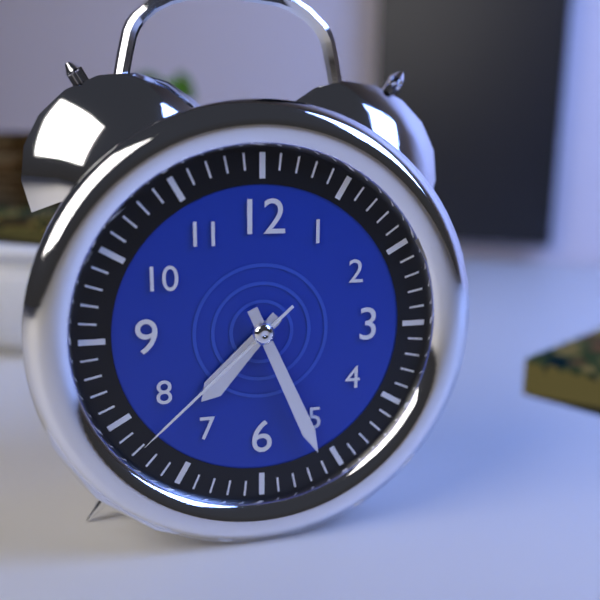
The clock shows 7.26.38
